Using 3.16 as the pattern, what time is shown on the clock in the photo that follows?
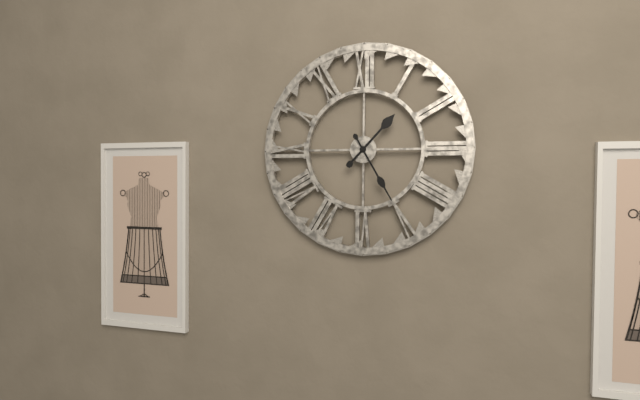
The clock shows 1.25
